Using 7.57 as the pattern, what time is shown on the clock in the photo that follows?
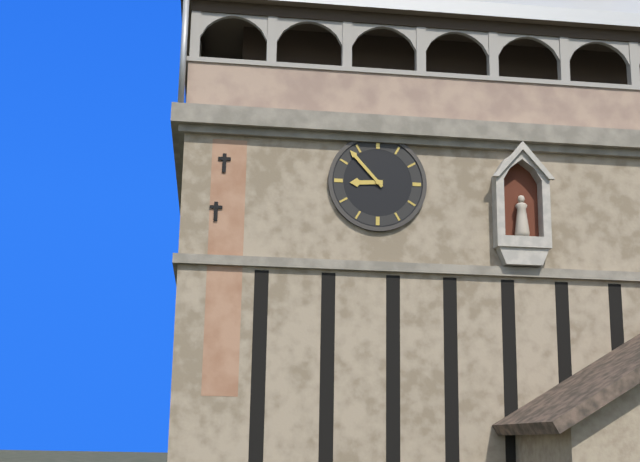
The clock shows 8.53
